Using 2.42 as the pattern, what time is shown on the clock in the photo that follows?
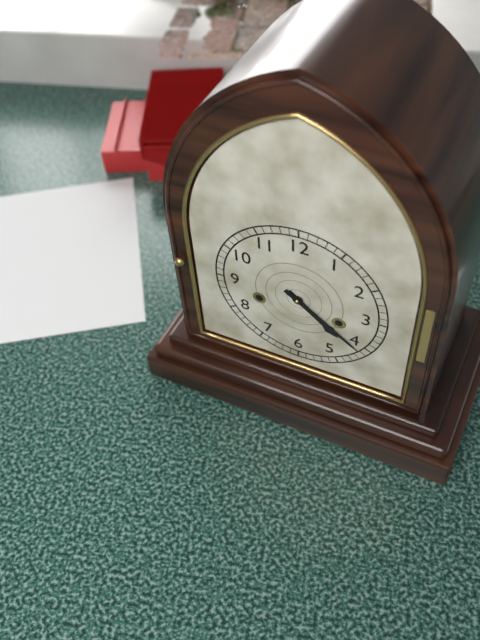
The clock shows 4.21
